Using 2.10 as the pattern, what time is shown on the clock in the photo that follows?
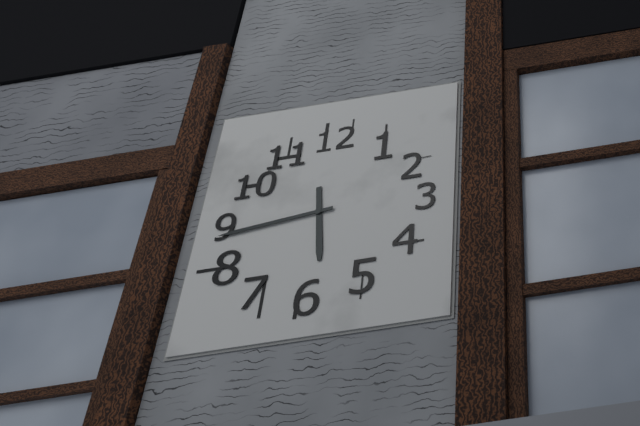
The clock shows 5.44
